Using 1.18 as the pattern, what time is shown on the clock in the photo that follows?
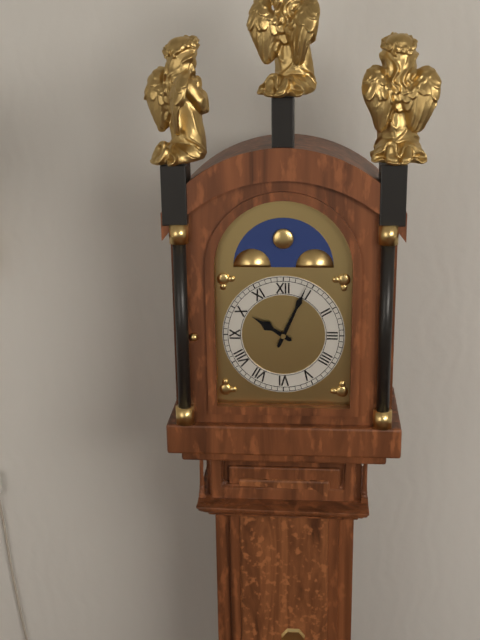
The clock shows 10.04
